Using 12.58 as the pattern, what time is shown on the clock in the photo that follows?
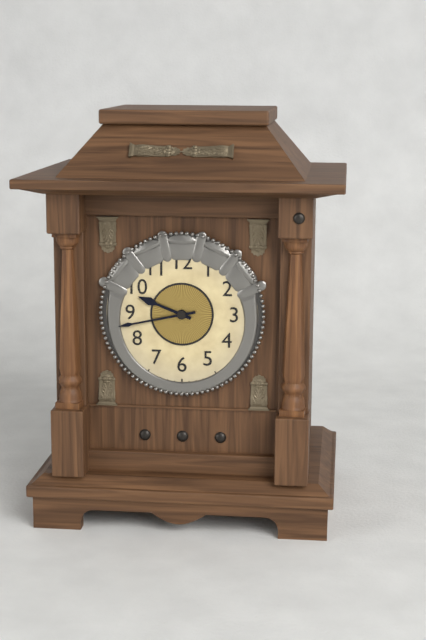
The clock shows 9.43
